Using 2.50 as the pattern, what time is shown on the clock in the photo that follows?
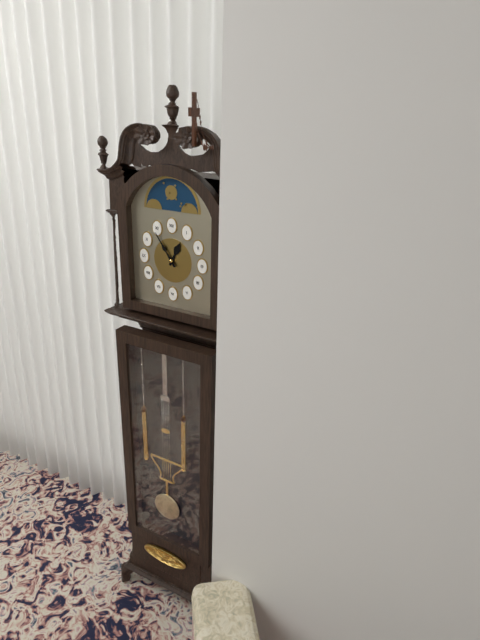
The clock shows 12.54
